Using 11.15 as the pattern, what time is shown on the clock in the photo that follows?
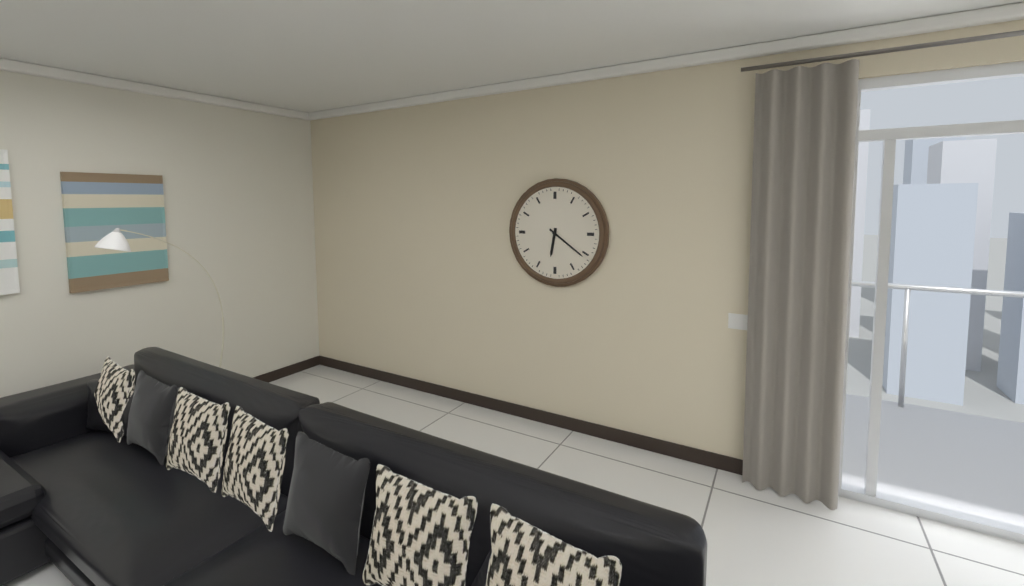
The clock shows 6.21
